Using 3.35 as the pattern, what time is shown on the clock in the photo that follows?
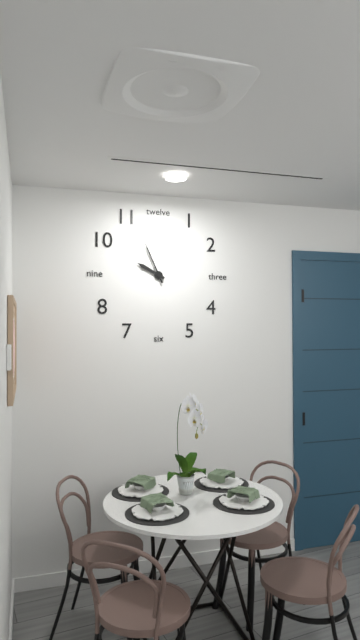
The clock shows 9.56
